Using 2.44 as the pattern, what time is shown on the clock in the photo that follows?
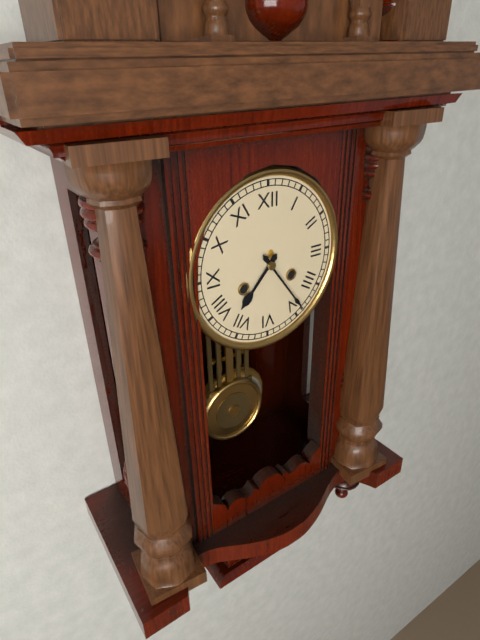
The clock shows 7.24
